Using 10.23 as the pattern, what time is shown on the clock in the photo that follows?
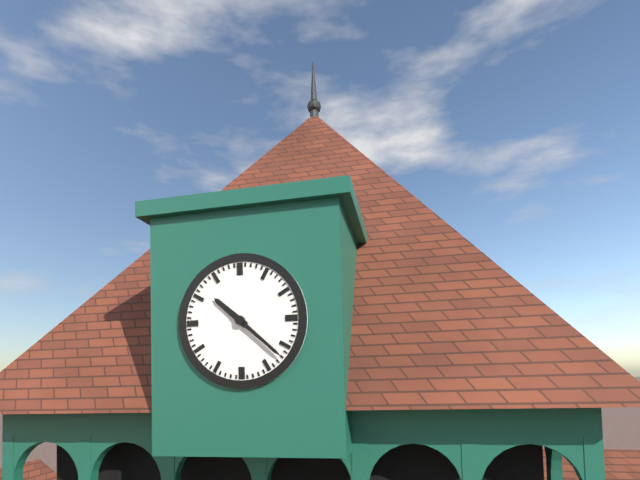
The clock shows 10.22
